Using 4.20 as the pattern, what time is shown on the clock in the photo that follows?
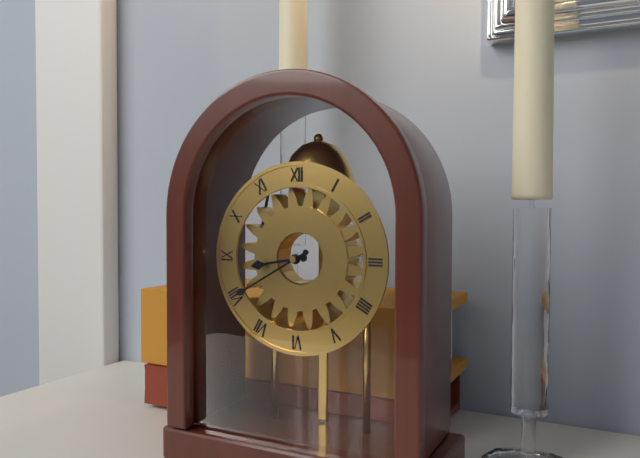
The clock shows 8.40
